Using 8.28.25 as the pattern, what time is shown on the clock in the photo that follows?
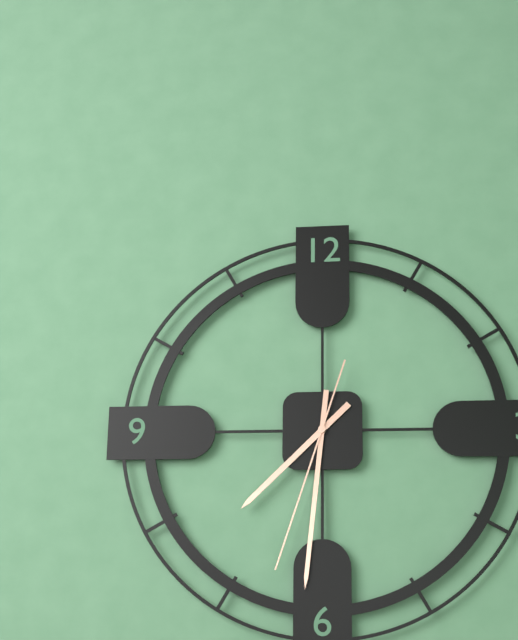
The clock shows 7.31.33
